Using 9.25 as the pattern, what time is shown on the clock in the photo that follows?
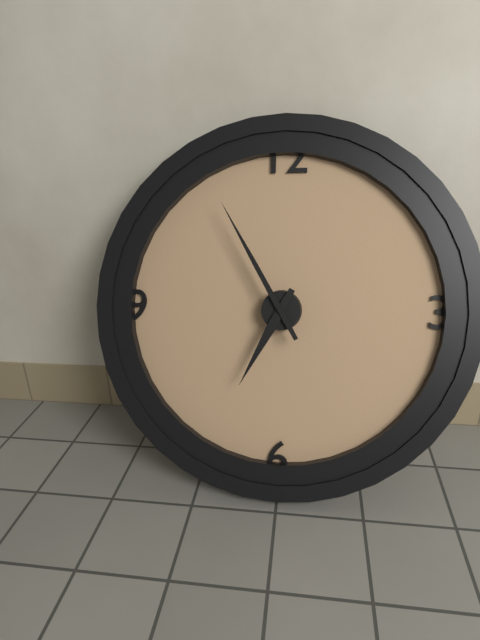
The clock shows 6.55
